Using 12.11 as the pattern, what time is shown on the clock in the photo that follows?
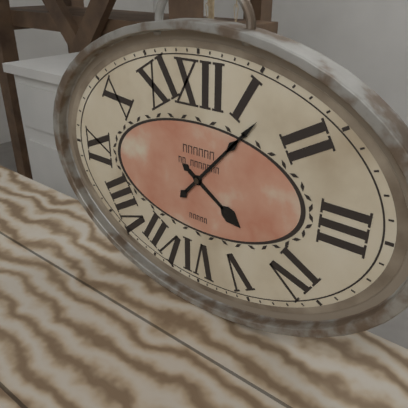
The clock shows 4.07
